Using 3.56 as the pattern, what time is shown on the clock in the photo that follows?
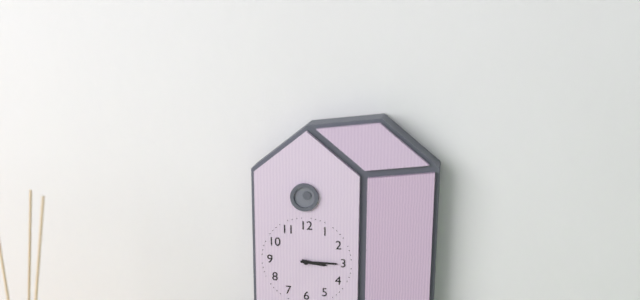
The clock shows 3.15
